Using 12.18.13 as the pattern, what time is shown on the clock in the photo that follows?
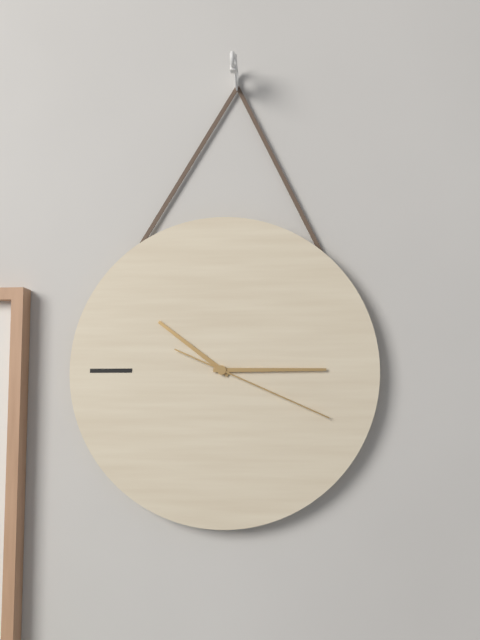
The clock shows 10.15.19
